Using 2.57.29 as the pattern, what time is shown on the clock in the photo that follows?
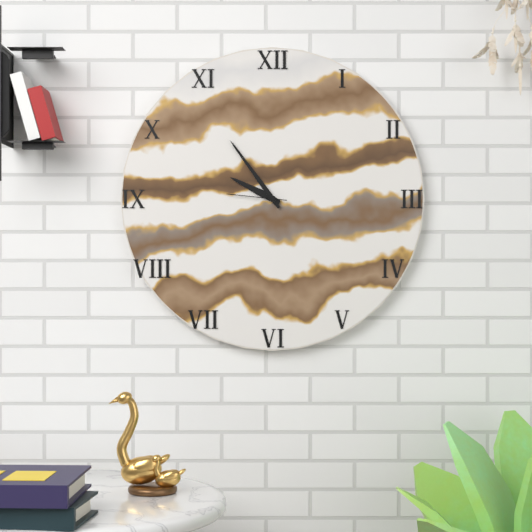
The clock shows 9.54.46
